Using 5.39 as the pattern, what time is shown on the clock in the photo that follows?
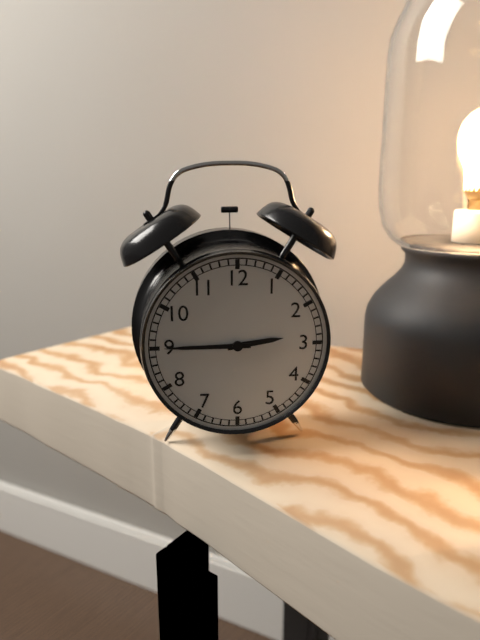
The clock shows 2.45
